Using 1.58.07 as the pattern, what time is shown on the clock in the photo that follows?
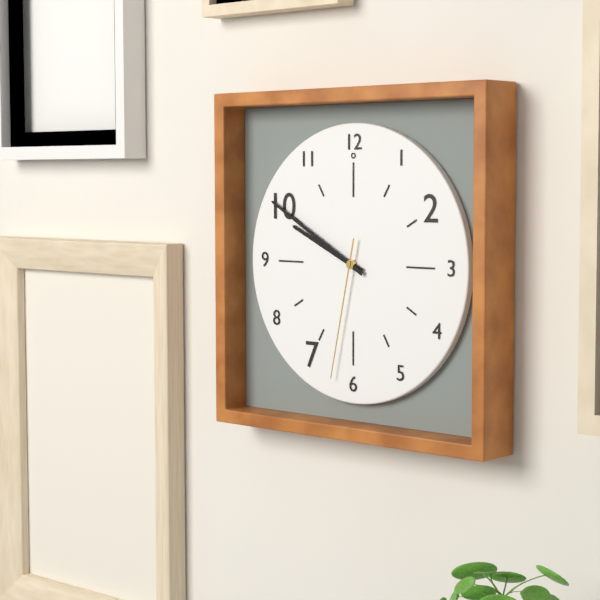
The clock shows 9.50.32
